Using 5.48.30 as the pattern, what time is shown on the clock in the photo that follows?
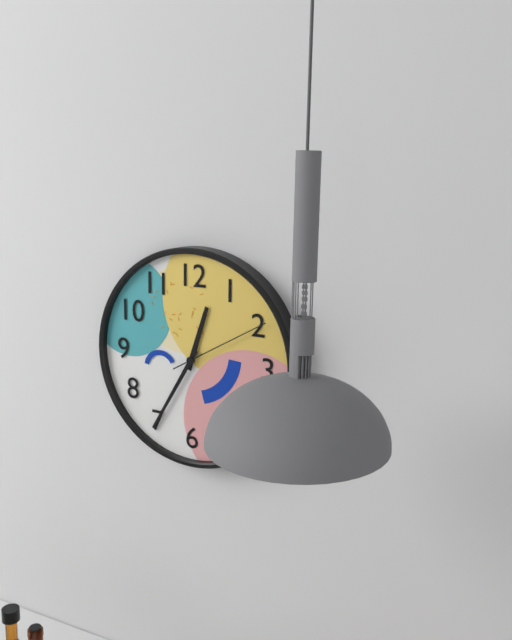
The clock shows 12.35.10
